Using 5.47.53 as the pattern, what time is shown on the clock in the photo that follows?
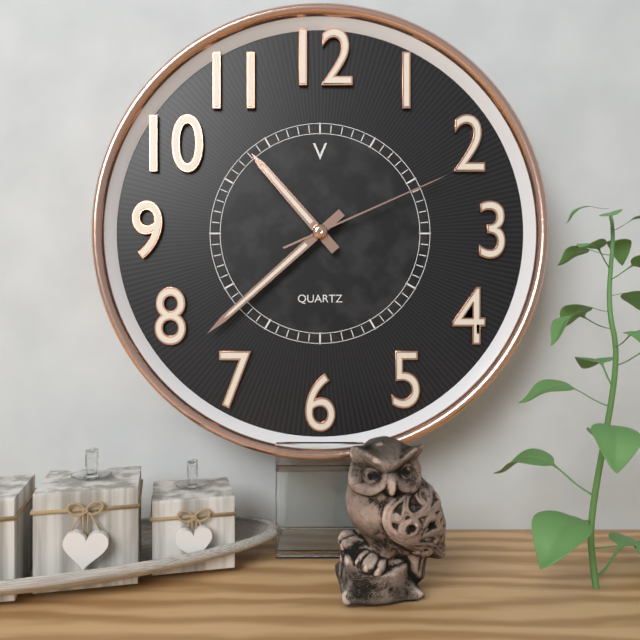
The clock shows 10.38.11
